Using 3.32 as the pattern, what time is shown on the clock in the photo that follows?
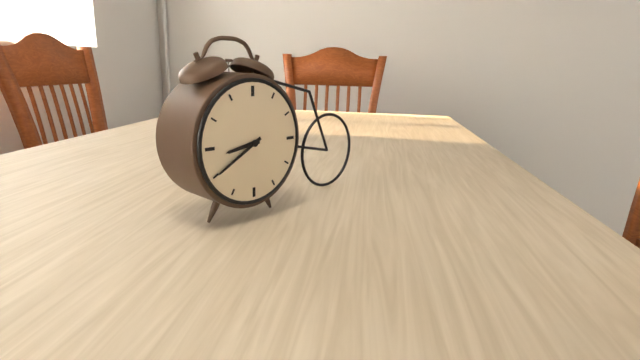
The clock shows 8.40
